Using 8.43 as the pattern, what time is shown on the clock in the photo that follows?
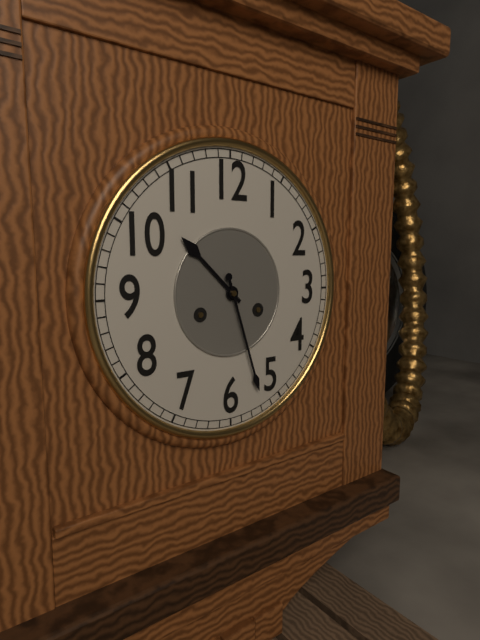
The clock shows 10.27
